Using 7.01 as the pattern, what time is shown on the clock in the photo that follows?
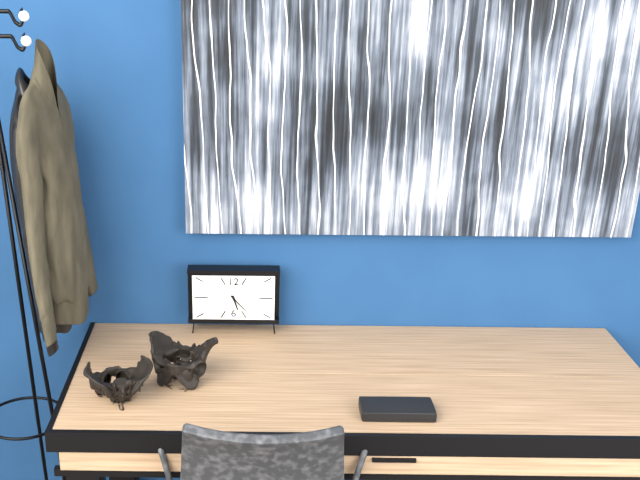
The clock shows 5.23
